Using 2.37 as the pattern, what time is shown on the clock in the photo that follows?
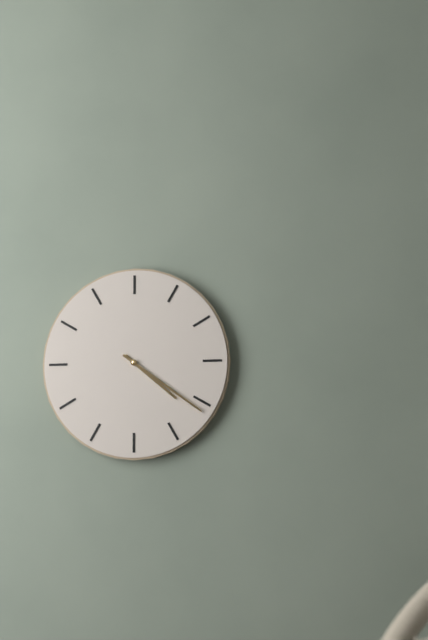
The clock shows 4.21
